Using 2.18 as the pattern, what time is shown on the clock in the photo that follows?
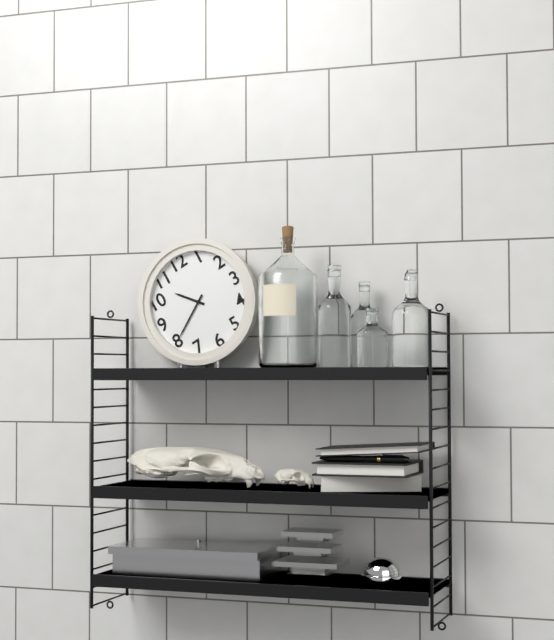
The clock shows 10.40
